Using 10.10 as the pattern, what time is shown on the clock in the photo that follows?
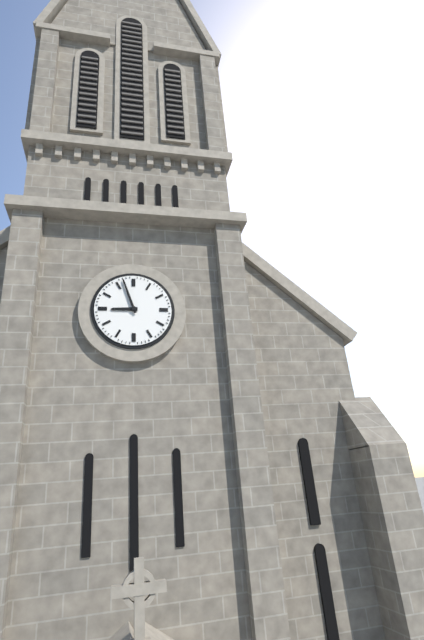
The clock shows 8.57
